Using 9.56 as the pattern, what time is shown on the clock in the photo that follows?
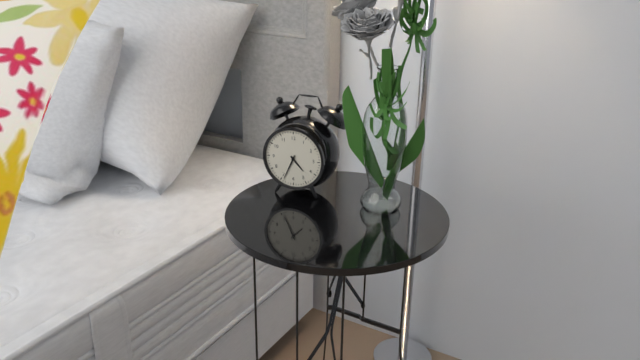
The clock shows 4.34
